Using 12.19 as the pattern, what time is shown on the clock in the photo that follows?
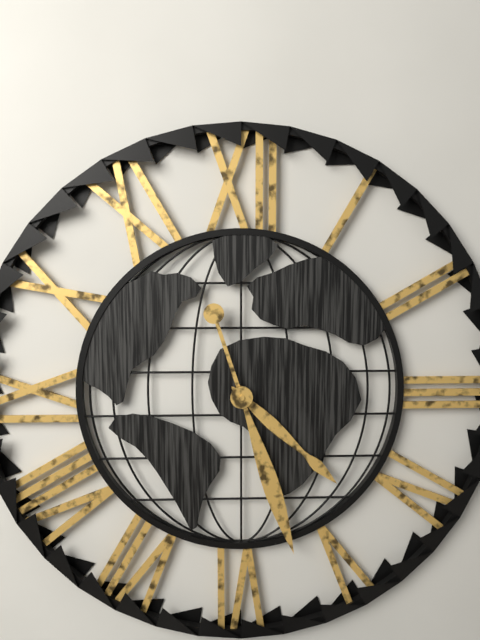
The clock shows 4.27
